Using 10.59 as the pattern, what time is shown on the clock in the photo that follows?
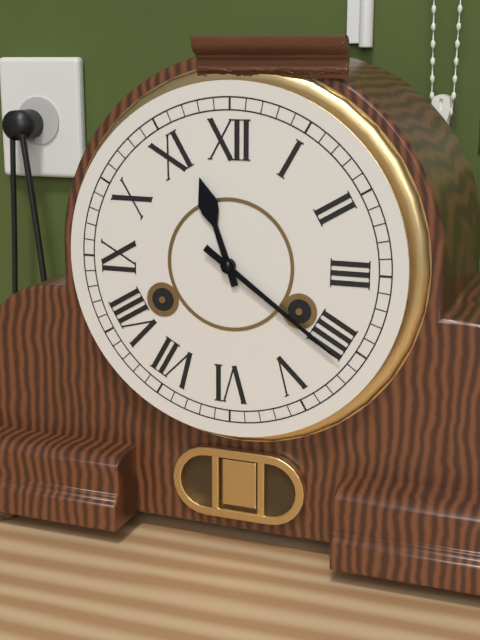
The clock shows 11.21
